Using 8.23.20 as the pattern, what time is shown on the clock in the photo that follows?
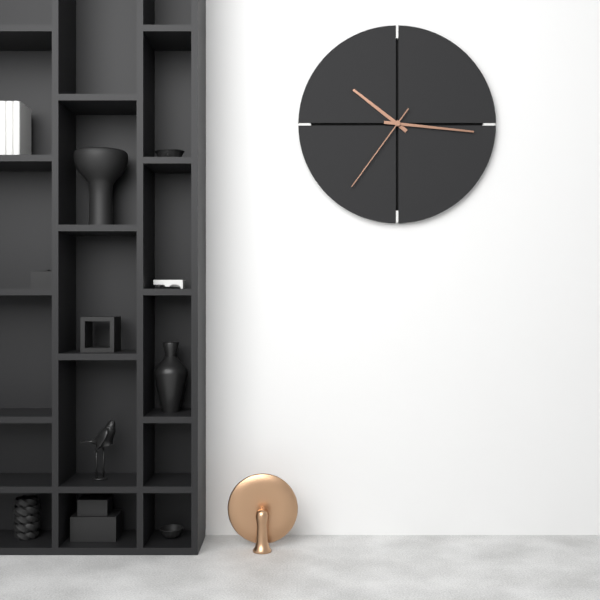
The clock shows 10.16.36
